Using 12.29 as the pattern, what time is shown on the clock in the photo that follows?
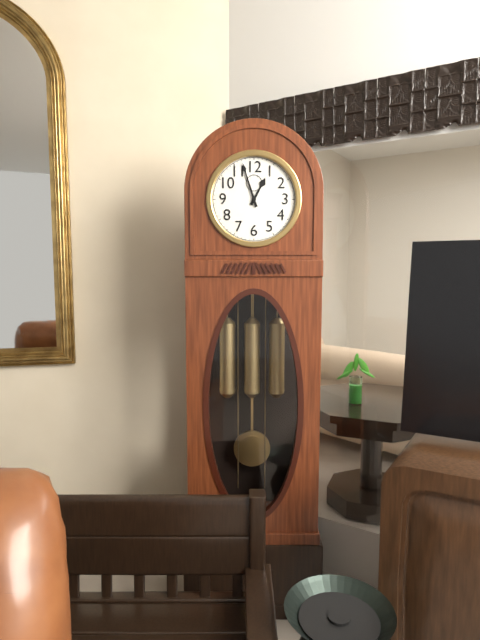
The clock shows 12.57
